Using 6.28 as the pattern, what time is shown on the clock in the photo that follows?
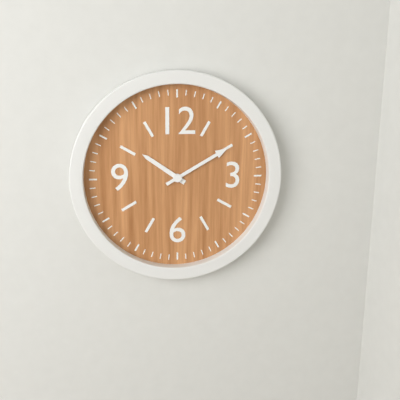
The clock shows 10.10
